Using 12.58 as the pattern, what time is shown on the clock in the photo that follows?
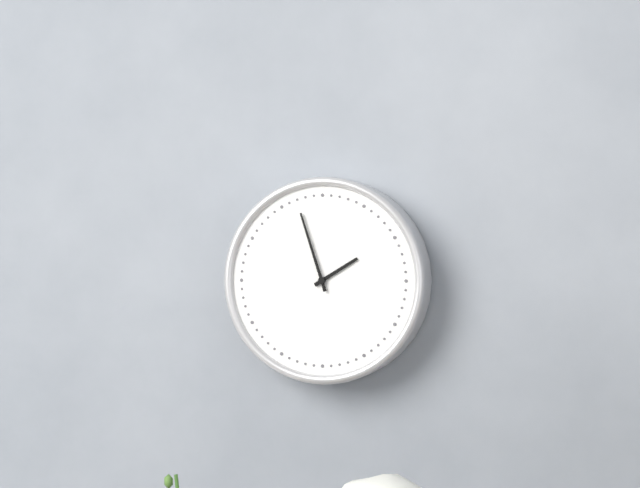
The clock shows 1.57
